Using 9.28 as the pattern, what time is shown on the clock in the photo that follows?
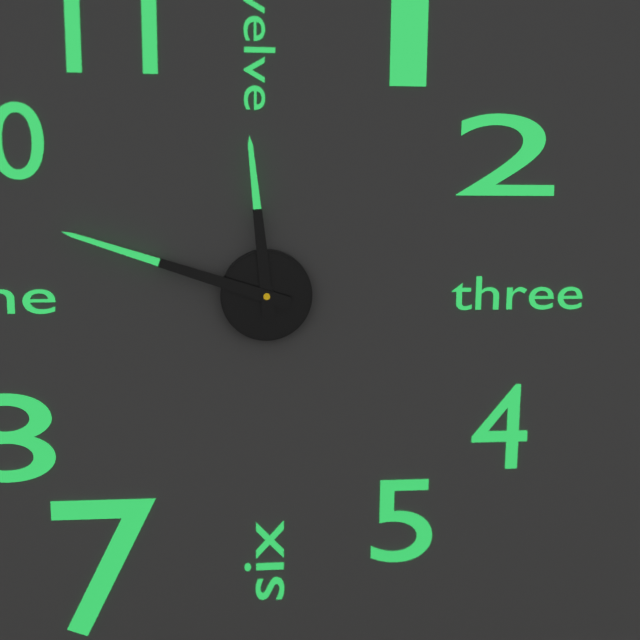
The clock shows 11.48
